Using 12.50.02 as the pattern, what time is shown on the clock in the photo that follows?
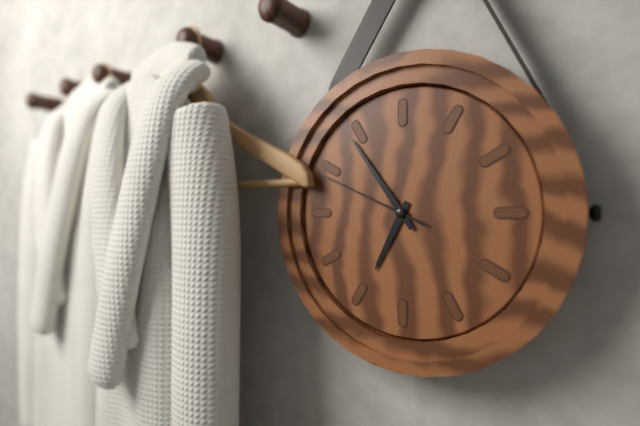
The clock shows 6.54.49
